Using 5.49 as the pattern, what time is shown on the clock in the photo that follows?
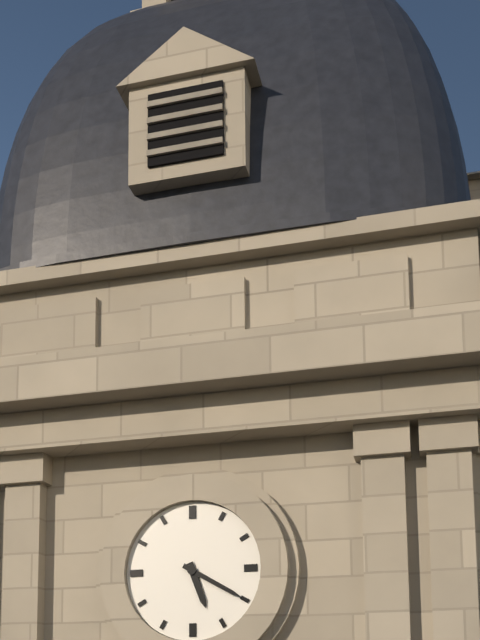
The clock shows 5.20
